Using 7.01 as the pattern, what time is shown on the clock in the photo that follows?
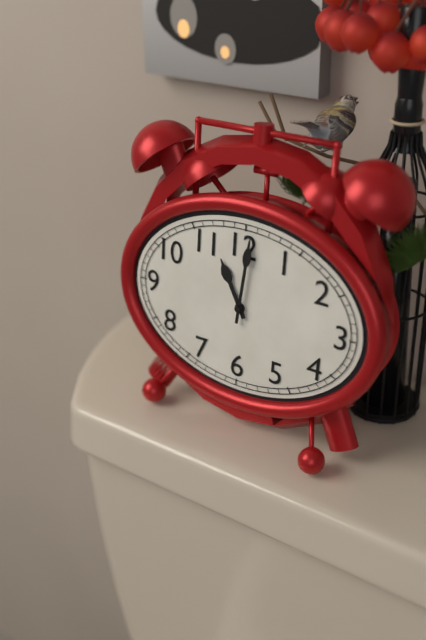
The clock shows 11.01
